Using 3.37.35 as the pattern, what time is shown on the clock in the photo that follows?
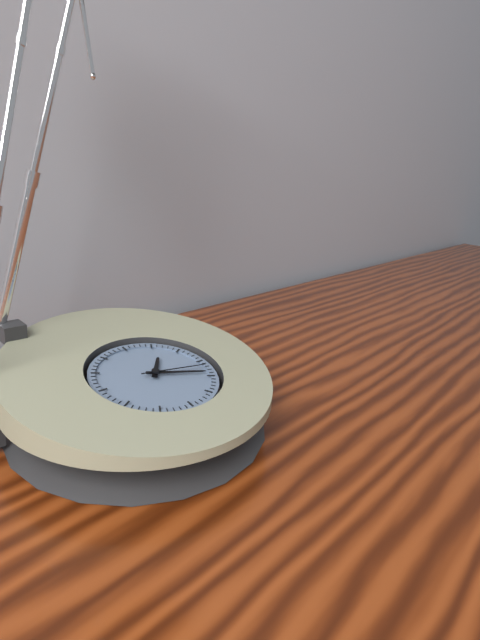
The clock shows 1.19.17
